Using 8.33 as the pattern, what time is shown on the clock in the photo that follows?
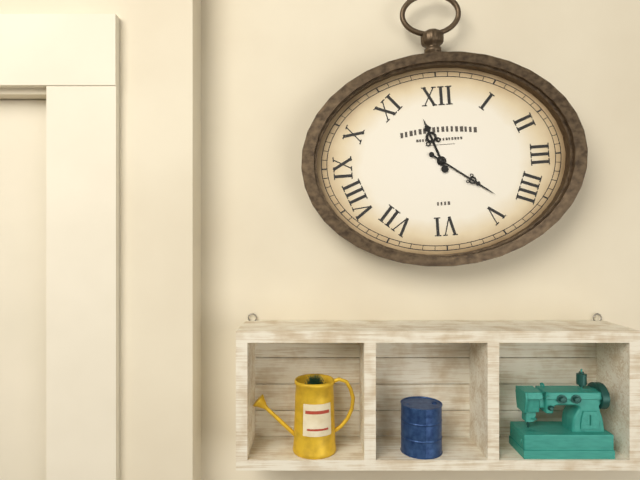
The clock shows 11.21
